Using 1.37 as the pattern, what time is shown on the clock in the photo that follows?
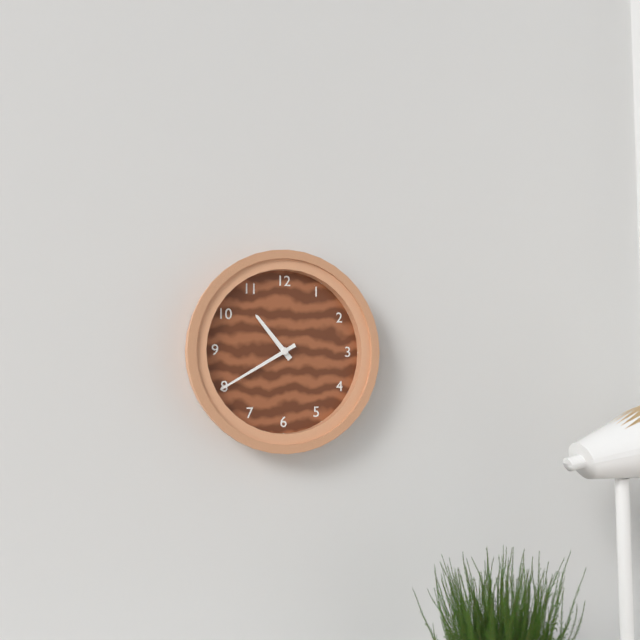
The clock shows 10.40
